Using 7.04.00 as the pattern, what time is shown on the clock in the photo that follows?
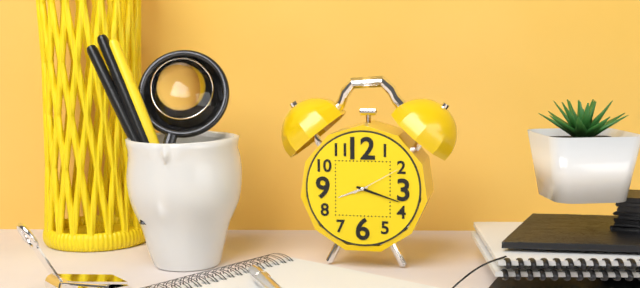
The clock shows 8.18.10
